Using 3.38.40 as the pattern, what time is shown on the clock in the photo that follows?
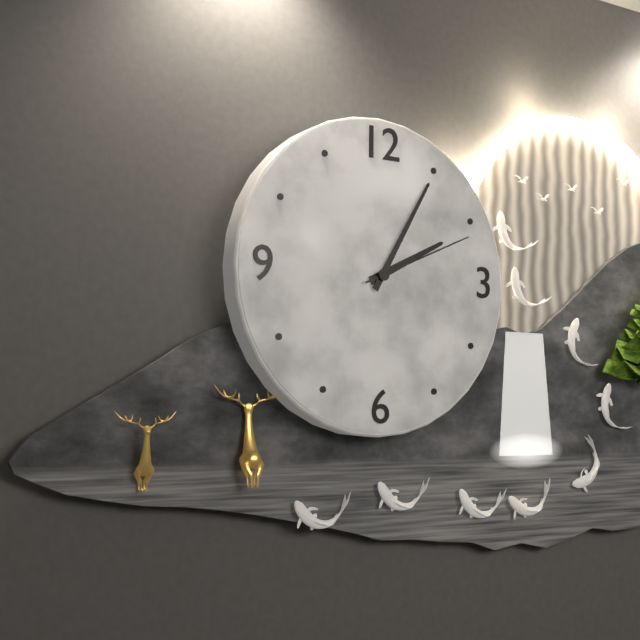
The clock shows 2.05.11
